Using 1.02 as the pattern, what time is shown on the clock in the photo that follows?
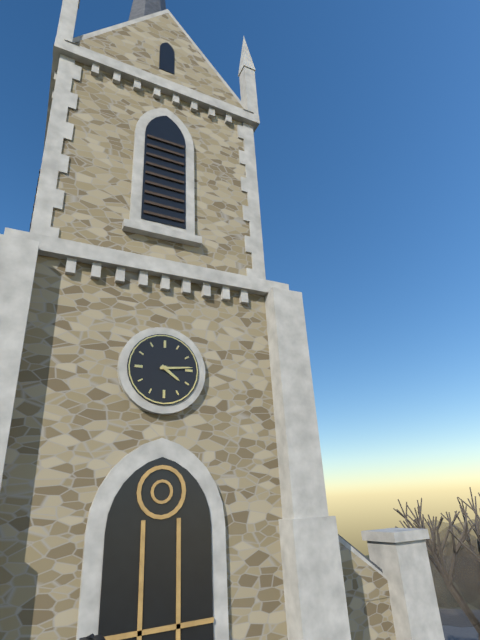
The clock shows 4.14
